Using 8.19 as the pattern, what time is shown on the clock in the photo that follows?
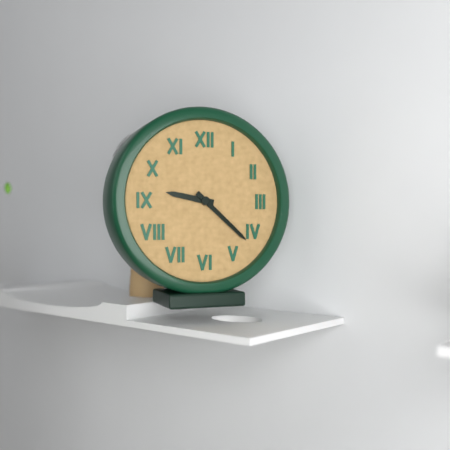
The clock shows 9.22
